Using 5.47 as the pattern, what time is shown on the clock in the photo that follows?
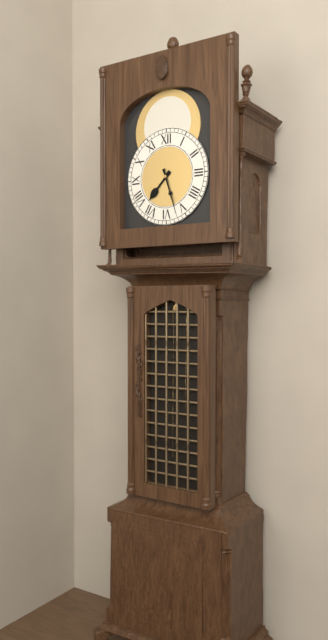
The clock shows 7.27
